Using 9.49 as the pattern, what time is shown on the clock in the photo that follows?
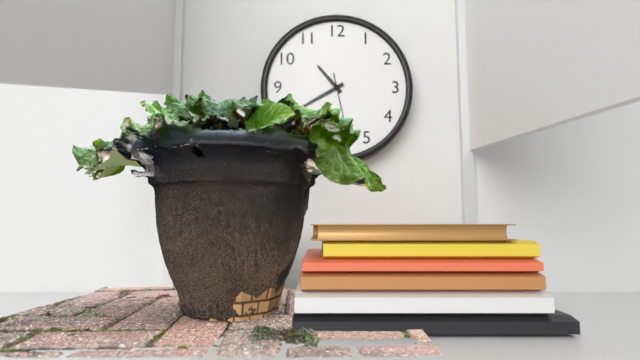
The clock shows 10.40
